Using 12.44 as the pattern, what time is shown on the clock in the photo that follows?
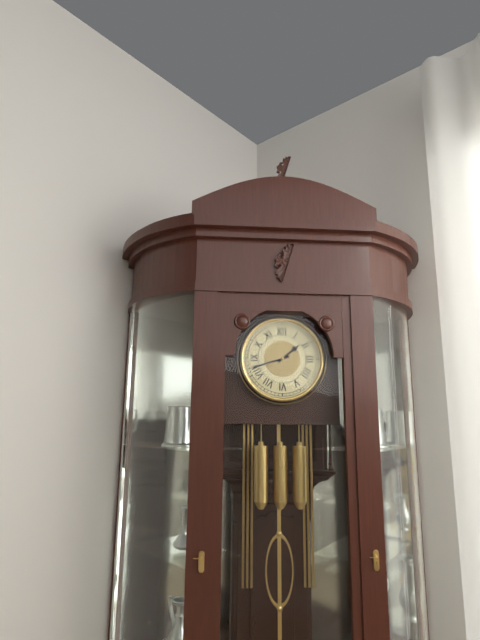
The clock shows 1.42
